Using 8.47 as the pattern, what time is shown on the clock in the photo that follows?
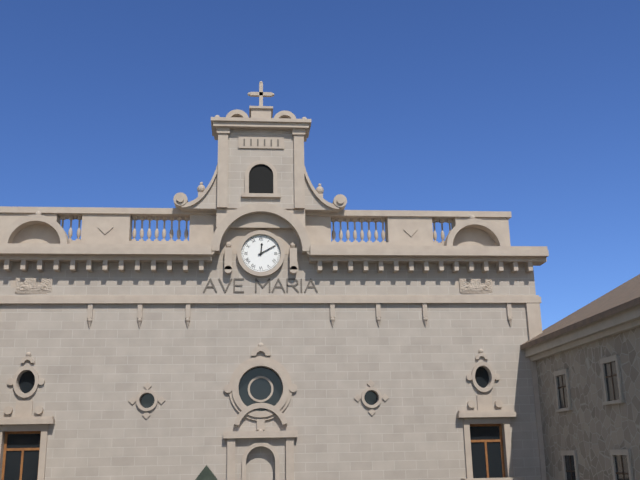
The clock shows 12.10
